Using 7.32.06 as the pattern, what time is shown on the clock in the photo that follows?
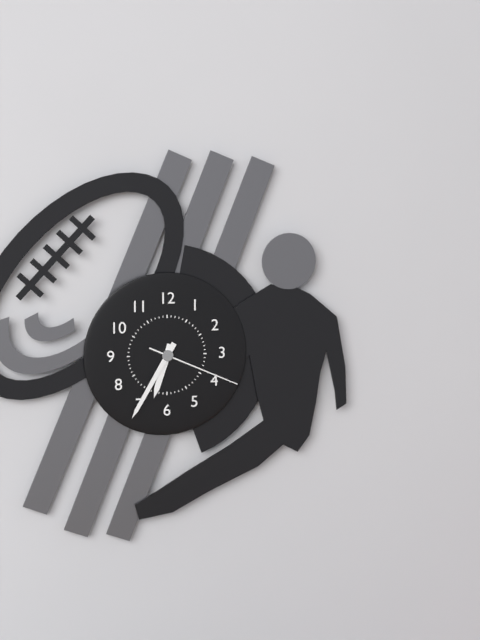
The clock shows 6.35.19
